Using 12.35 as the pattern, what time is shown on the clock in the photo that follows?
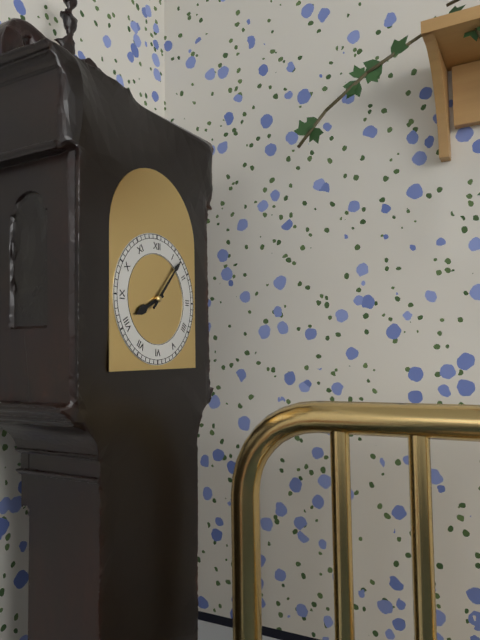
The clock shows 8.07
